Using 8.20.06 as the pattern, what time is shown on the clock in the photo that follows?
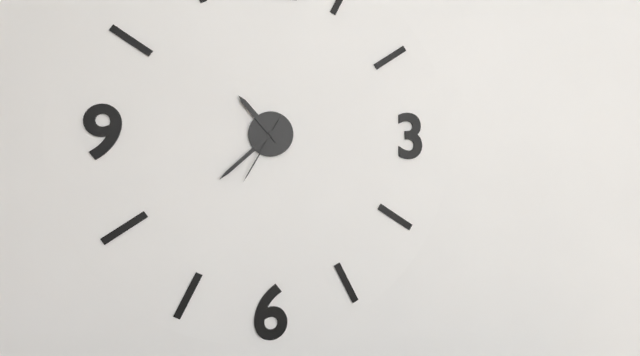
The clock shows 10.38.35
